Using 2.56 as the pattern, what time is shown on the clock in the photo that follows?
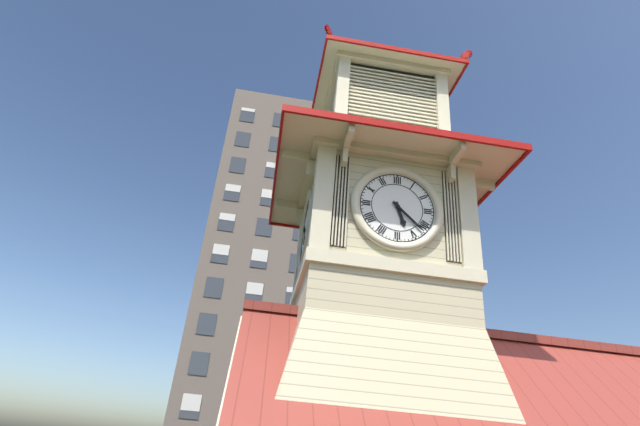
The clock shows 5.22
